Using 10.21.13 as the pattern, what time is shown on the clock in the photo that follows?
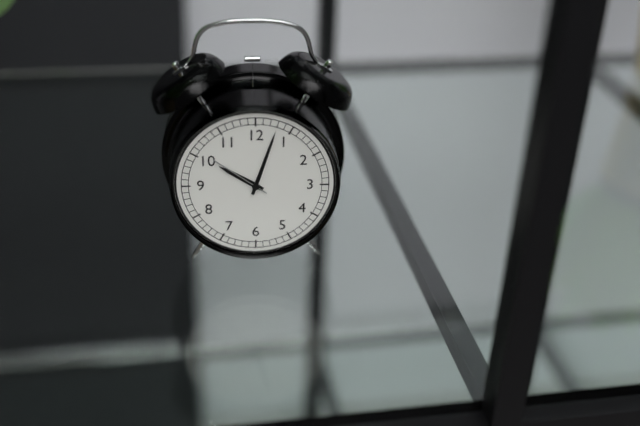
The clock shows 10.03.51
